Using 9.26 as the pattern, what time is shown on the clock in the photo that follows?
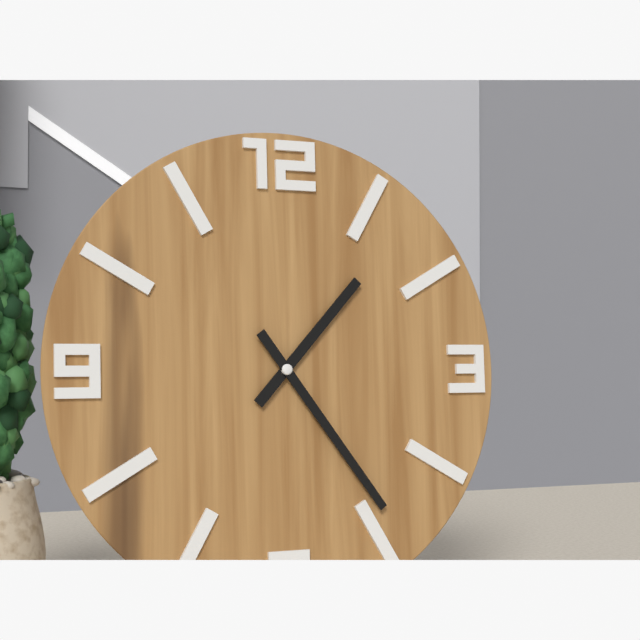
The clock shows 1.24
